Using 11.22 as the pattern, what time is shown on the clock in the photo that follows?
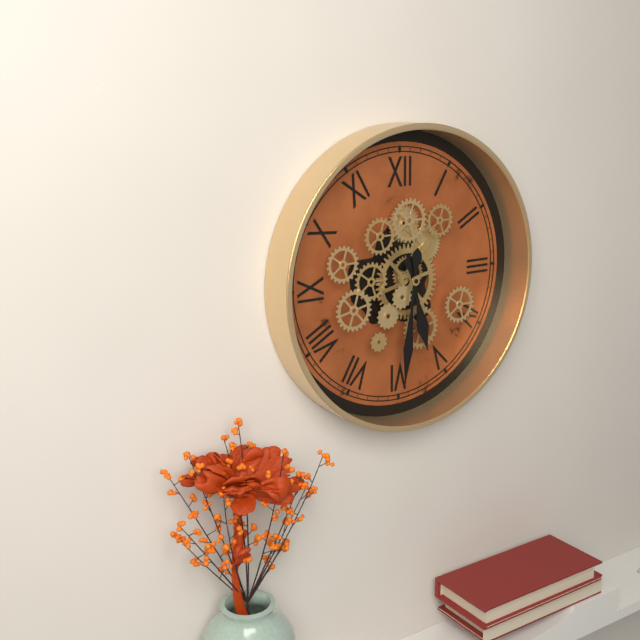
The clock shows 5.31
